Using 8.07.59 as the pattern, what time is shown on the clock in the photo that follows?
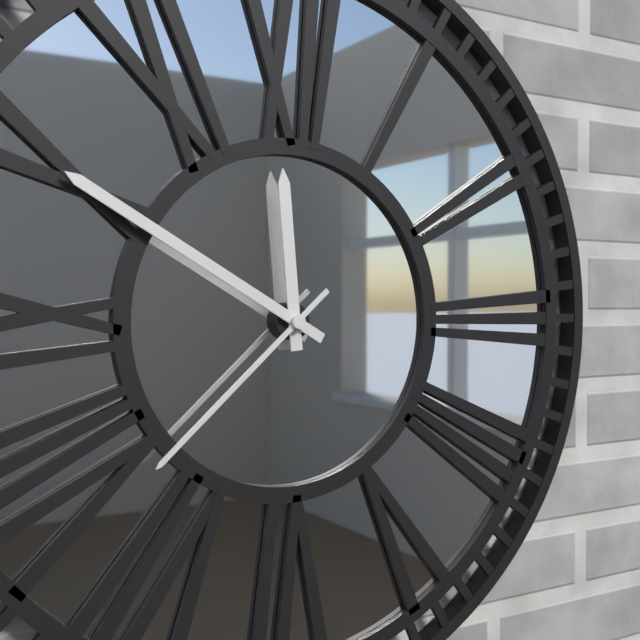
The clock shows 11.50.38
